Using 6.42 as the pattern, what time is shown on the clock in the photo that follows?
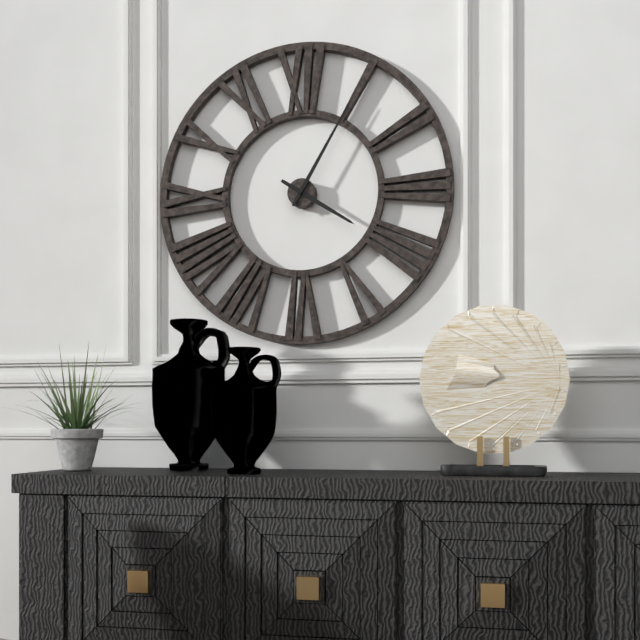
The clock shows 4.05
